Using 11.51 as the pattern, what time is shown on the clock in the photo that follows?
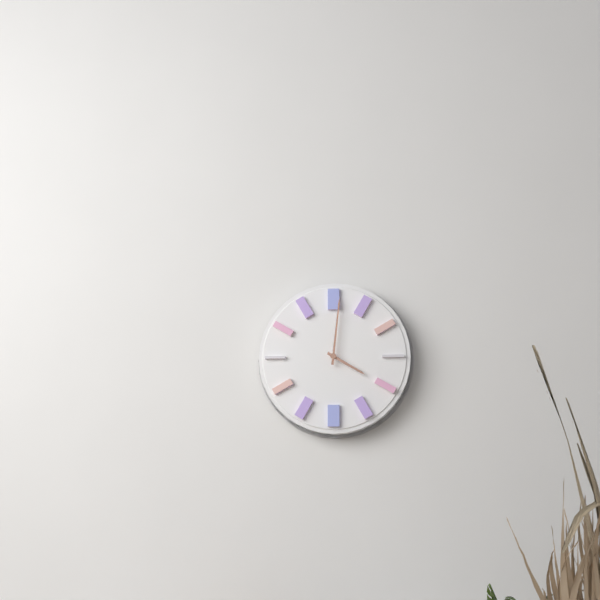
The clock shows 4.01
